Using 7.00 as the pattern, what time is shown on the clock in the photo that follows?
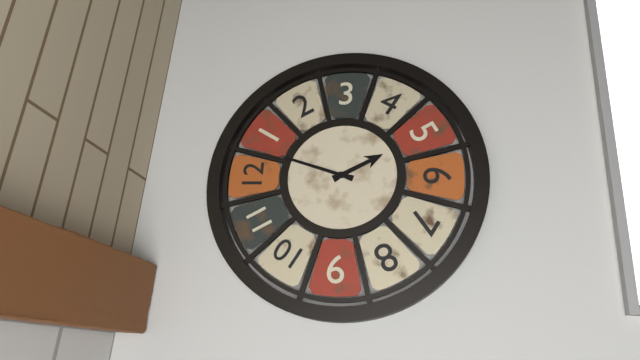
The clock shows 5.03
